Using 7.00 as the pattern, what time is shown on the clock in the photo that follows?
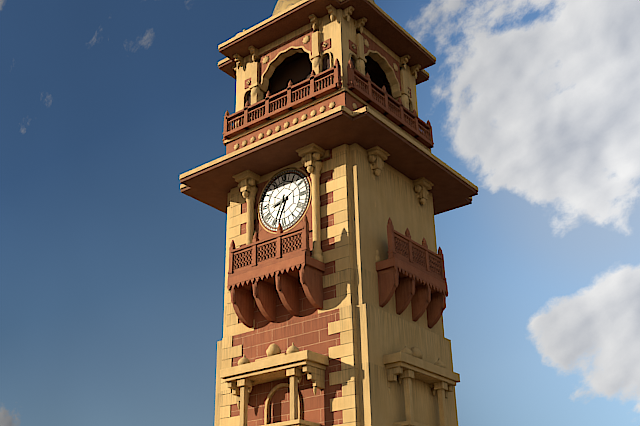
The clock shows 8.34
